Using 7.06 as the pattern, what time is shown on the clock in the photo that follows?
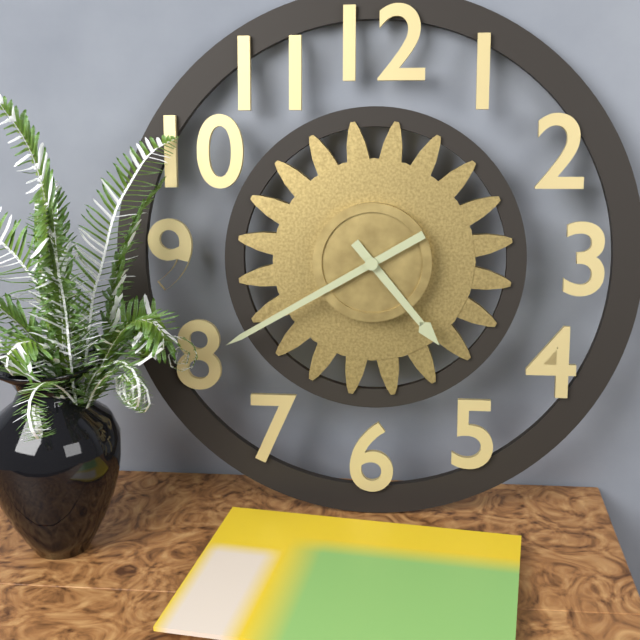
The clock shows 4.40
